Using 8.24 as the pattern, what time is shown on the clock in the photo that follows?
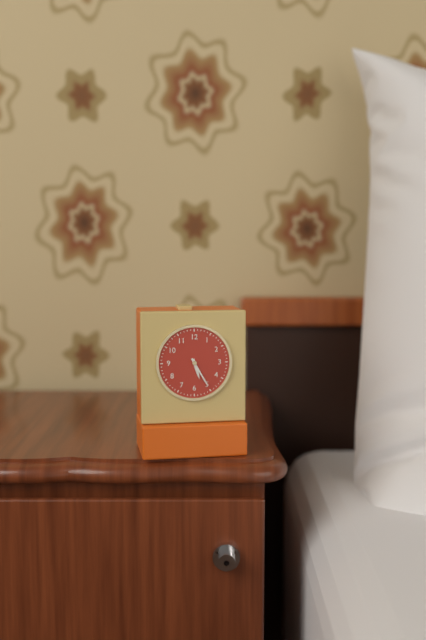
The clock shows 5.25
